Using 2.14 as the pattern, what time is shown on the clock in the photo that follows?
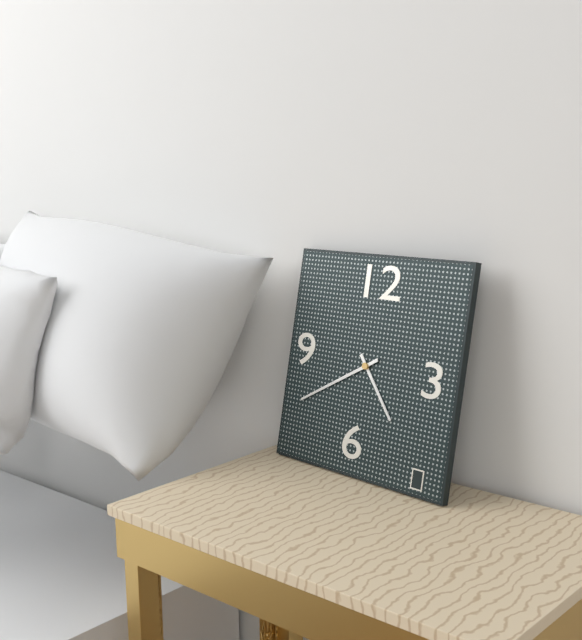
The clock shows 4.40
